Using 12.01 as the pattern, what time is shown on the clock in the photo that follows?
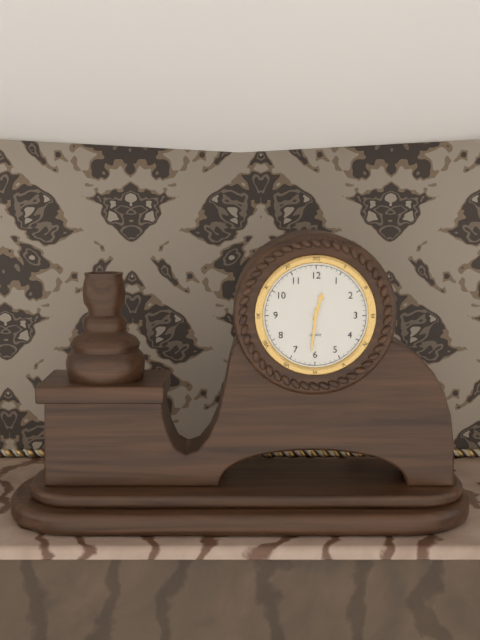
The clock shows 12.31
